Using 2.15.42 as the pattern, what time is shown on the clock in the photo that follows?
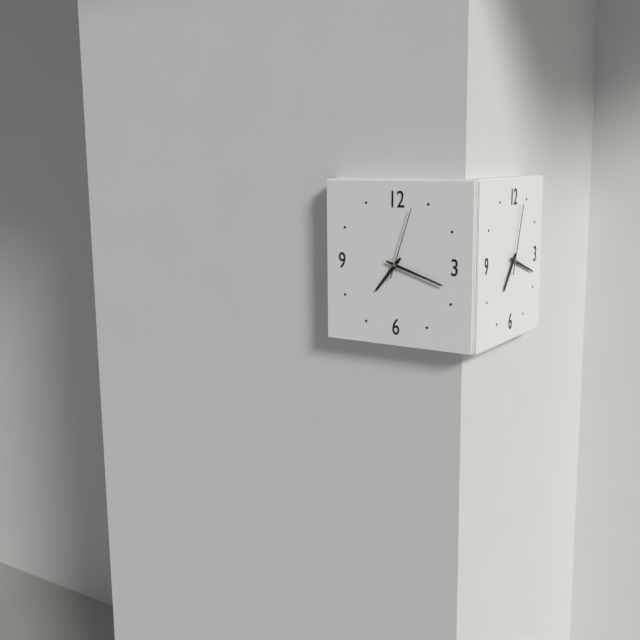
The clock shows 7.18.03
